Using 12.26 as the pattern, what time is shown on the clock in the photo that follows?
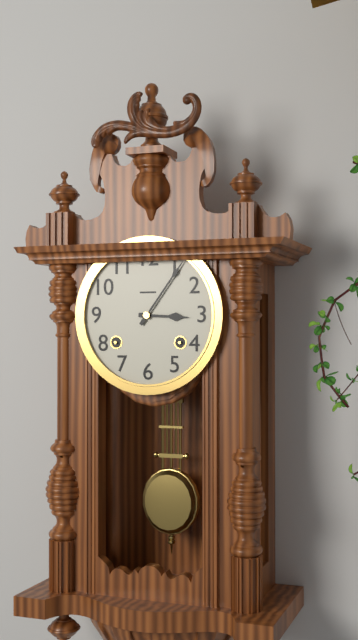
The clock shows 3.06
